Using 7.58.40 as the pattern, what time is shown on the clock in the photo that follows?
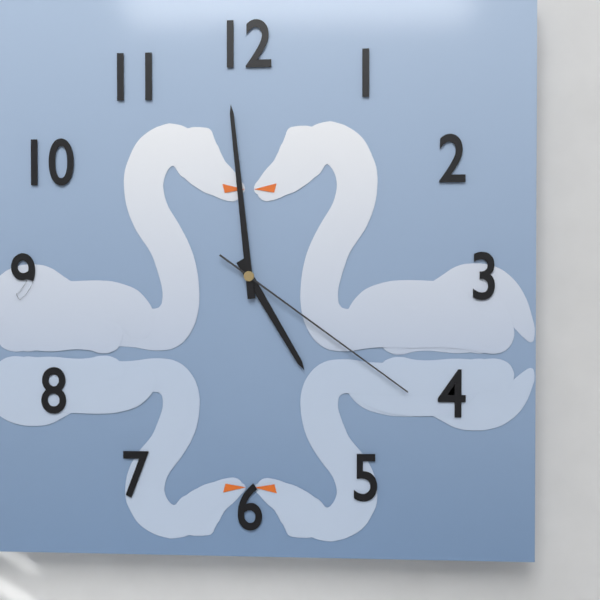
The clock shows 4.59.21
